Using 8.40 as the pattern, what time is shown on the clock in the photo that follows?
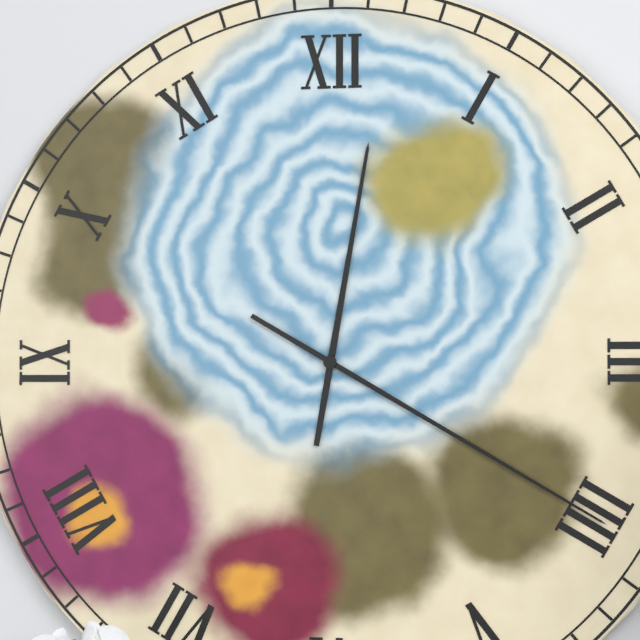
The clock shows 12.20
